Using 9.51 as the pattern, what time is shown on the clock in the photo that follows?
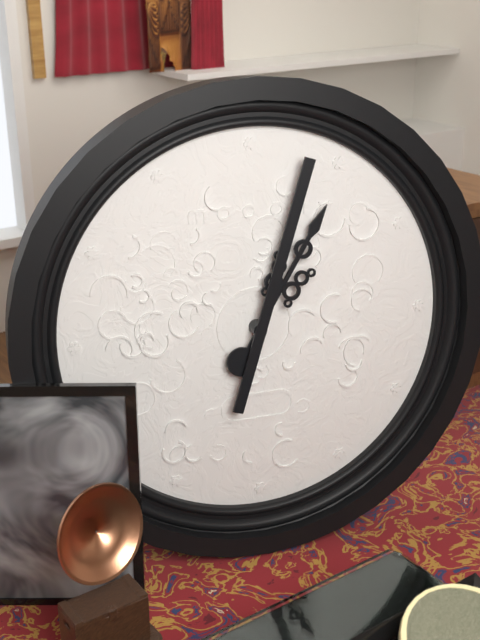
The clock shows 1.03
